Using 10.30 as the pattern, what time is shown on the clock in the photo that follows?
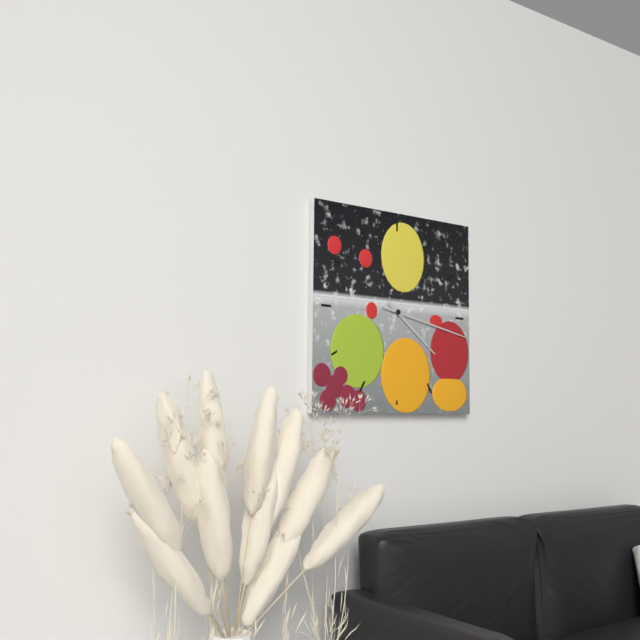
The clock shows 4.17
